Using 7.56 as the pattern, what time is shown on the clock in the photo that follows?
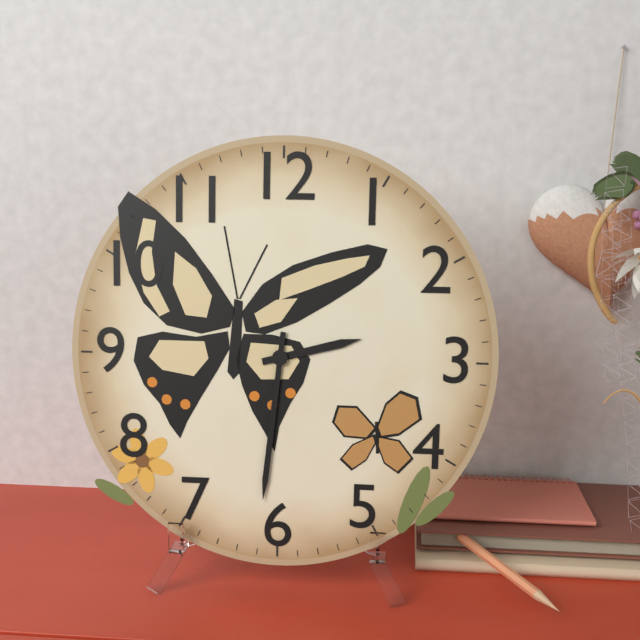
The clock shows 2.31
